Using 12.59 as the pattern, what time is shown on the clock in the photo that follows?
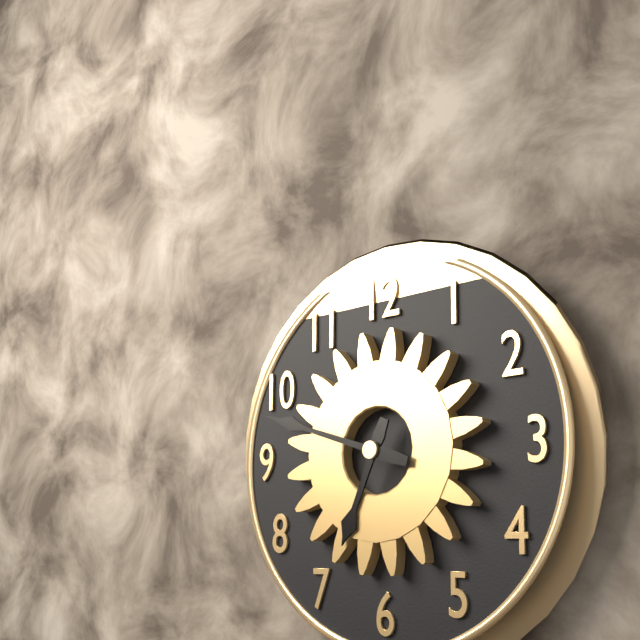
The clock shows 6.48
